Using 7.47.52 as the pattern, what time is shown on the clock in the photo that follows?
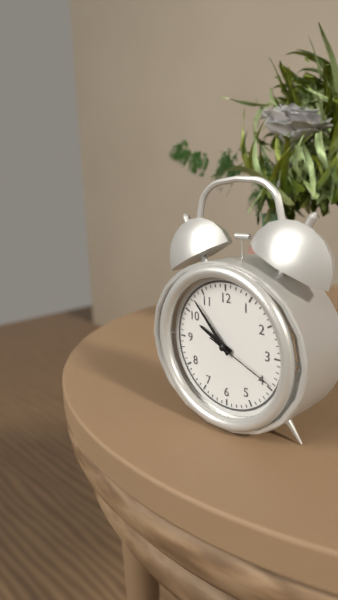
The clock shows 9.53.19
